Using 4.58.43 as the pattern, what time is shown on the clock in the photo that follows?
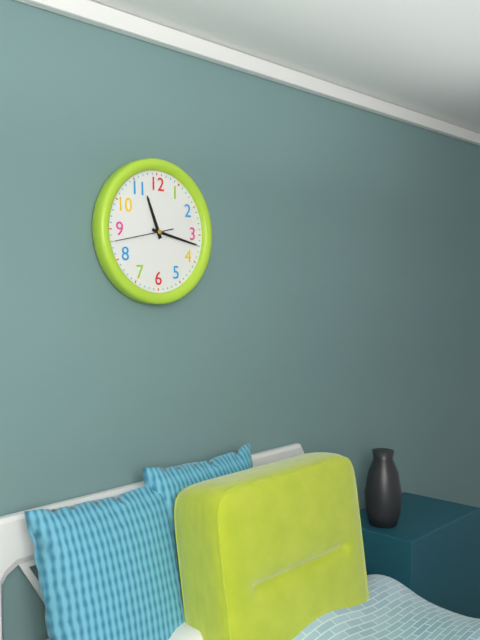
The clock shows 11.17.43
